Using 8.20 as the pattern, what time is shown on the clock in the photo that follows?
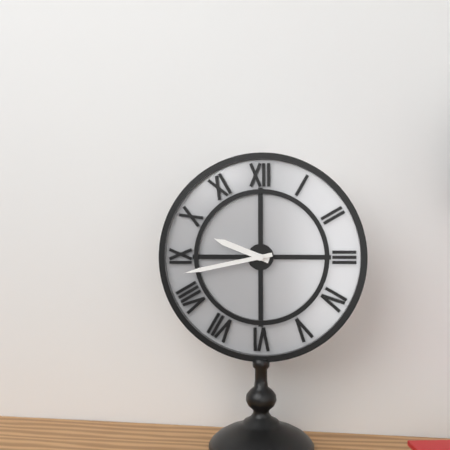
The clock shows 9.43
